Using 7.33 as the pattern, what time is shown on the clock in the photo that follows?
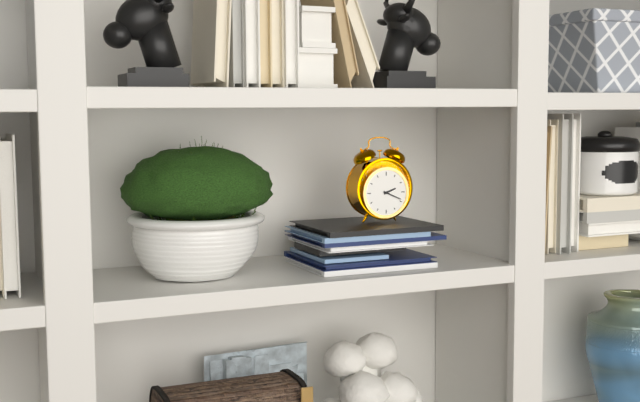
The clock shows 2.19
